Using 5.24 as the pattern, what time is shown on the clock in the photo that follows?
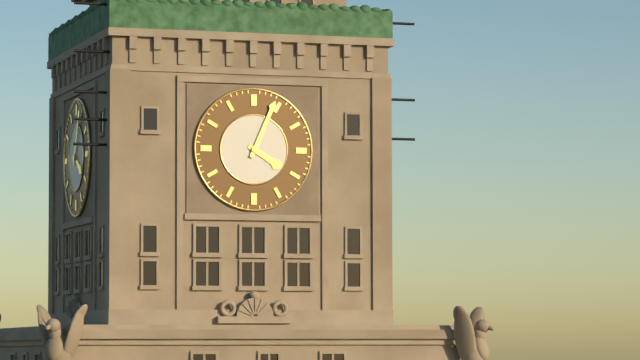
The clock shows 4.04
